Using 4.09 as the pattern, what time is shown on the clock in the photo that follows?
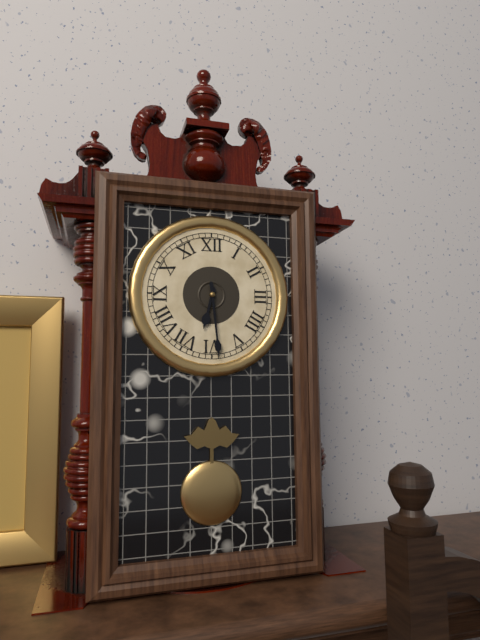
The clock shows 6.29
